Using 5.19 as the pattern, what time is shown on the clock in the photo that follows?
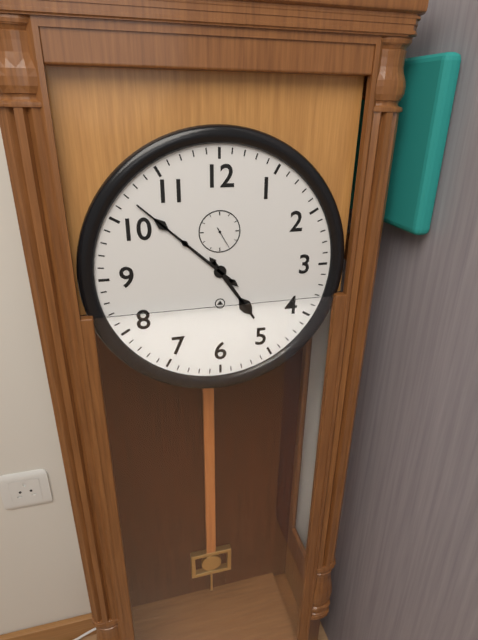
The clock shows 4.52
